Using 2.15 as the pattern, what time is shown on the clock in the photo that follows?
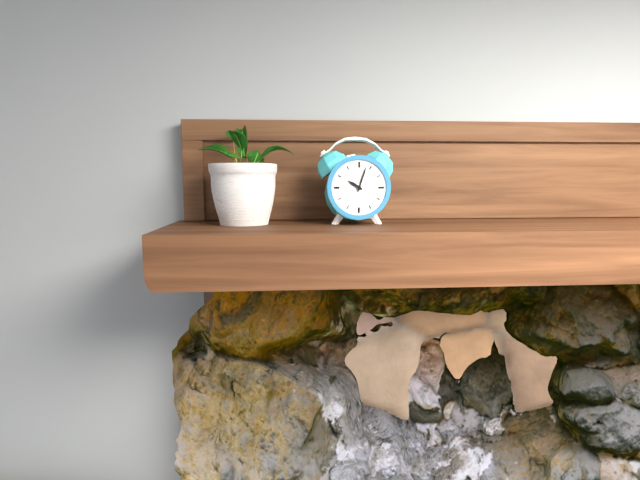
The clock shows 10.03
